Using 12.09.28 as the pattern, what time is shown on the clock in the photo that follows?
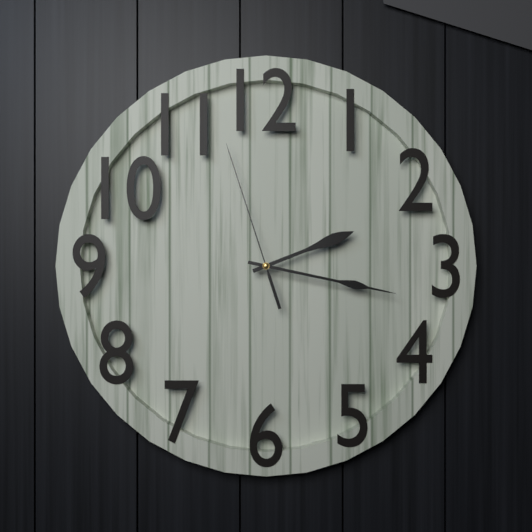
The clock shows 2.17.57
